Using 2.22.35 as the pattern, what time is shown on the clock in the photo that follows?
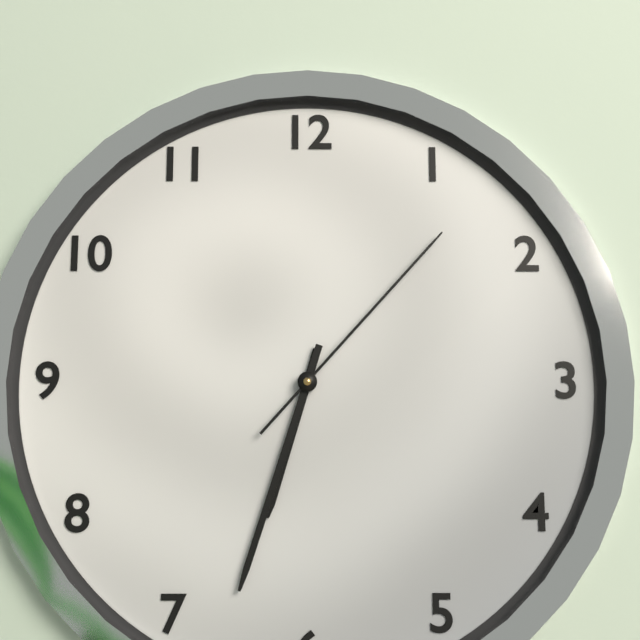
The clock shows 6.33.07
